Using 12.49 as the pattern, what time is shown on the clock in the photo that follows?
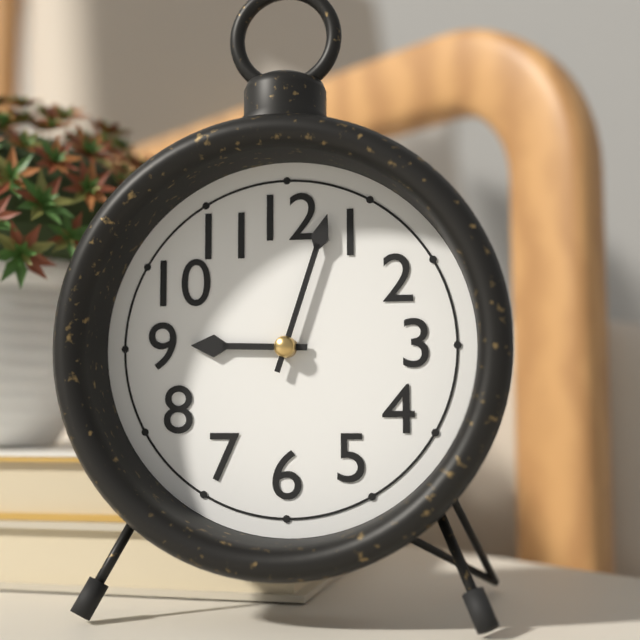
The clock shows 9.03
